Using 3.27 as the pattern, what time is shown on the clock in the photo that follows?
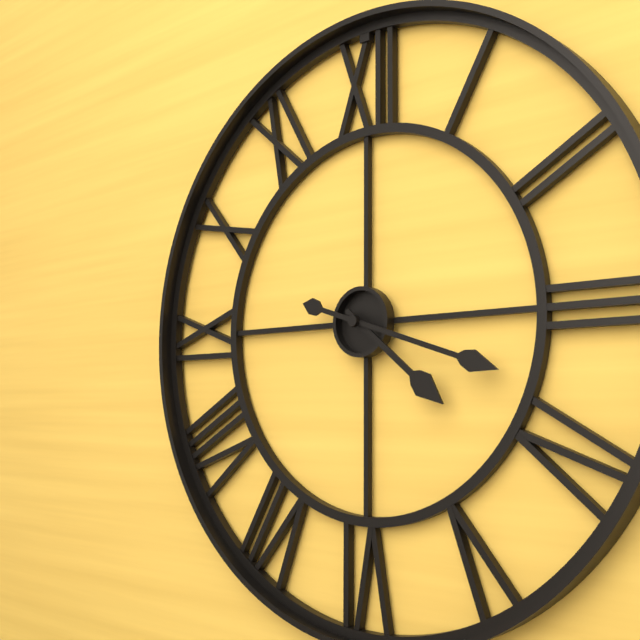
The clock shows 4.18
